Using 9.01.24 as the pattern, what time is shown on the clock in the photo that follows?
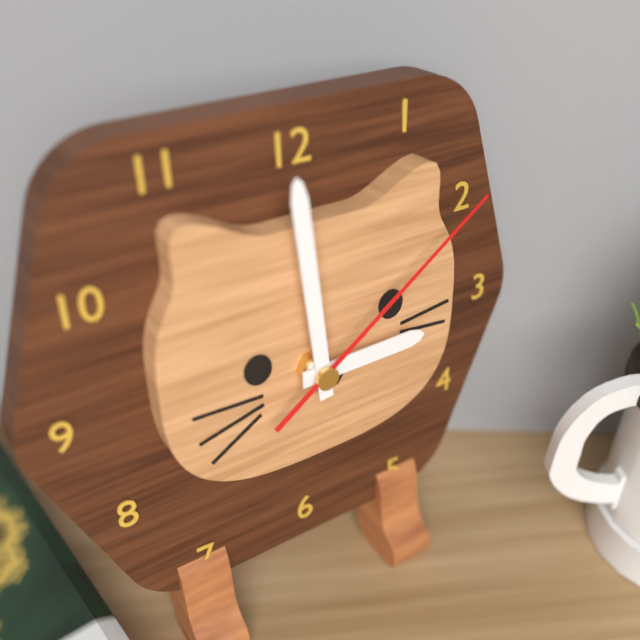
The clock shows 2.59.09
